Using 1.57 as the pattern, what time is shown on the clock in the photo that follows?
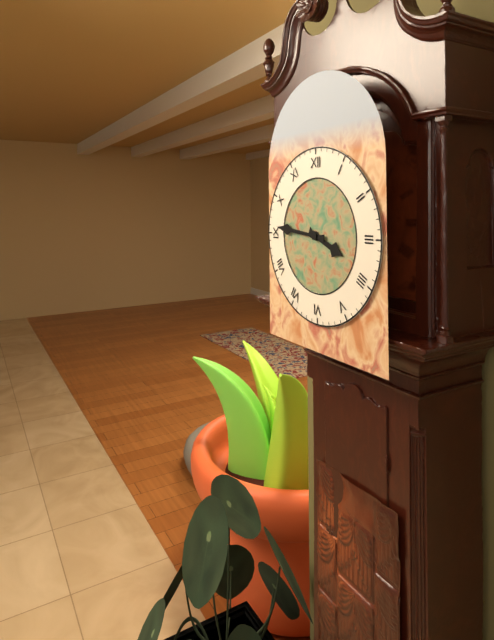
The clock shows 3.46
